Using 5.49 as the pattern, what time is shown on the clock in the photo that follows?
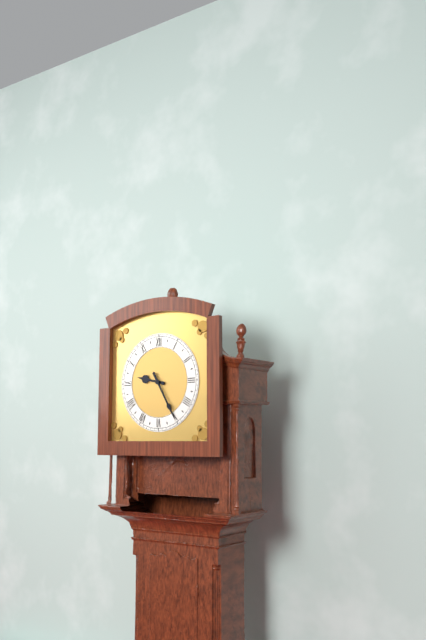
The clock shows 9.25
